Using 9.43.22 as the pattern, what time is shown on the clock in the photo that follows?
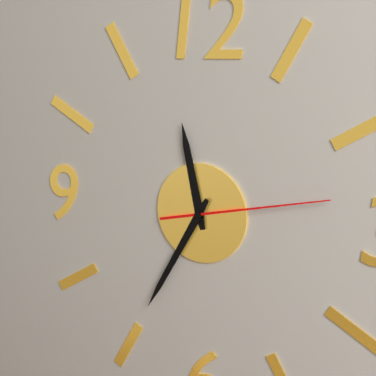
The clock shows 11.35.13
